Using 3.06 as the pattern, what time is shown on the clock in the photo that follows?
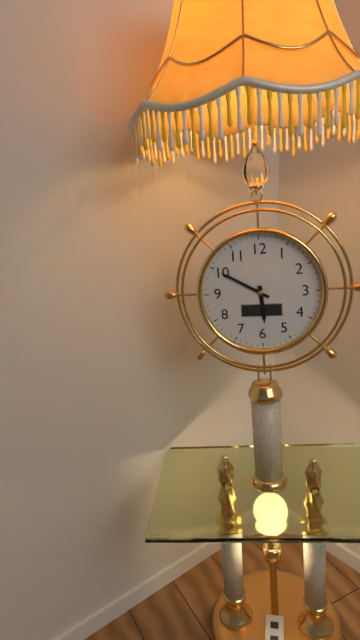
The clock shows 5.50
